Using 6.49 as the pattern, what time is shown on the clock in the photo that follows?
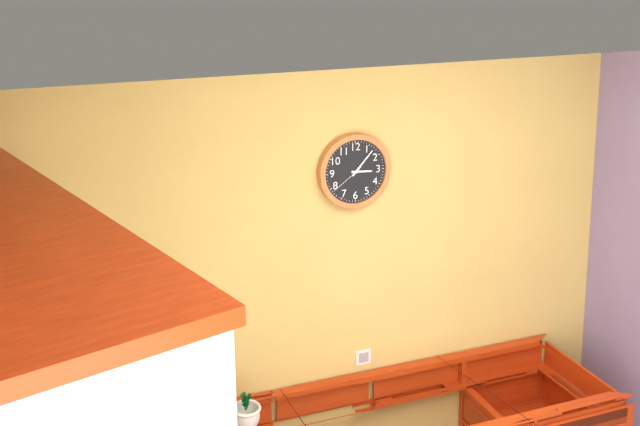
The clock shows 3.07
